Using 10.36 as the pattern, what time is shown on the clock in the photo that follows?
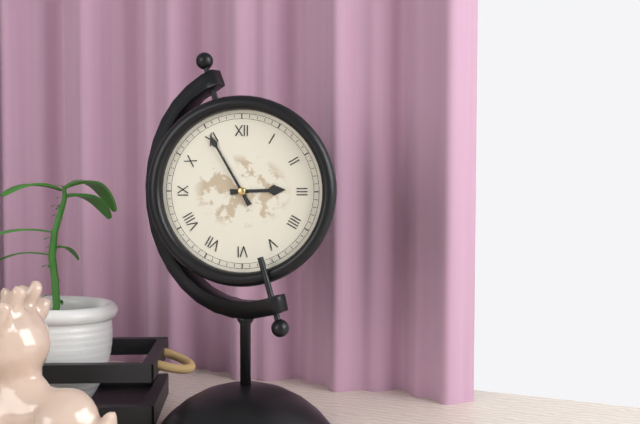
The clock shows 2.55
